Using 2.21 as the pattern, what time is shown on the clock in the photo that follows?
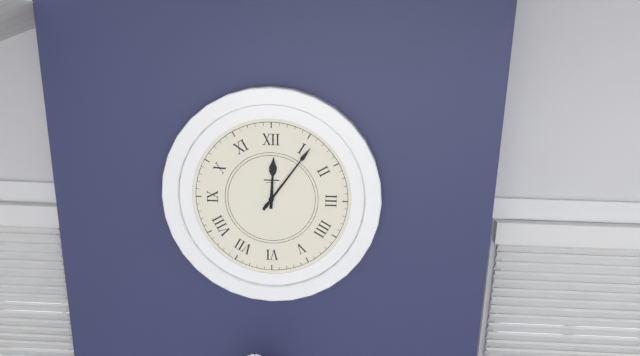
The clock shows 12.06
